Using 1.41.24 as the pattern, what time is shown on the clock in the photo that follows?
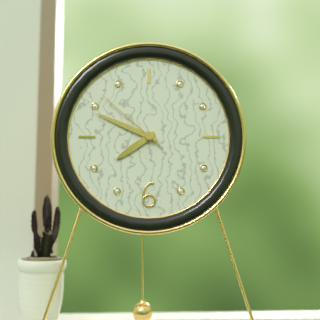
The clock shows 7.49.52
